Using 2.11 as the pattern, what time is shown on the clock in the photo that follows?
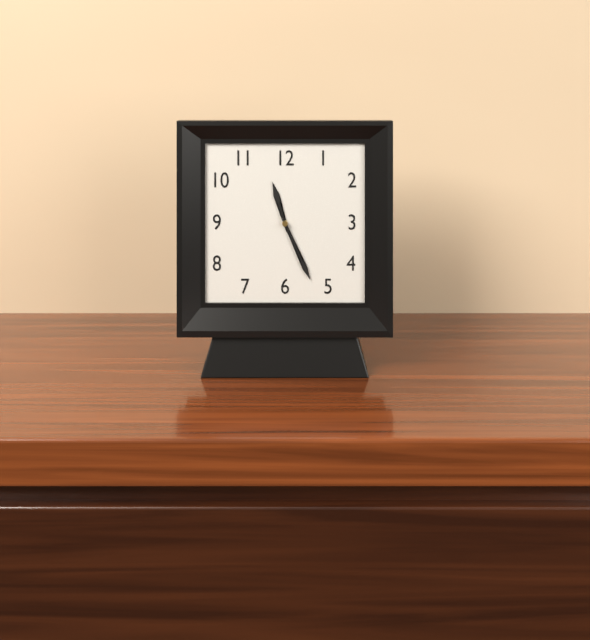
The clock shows 11.26
